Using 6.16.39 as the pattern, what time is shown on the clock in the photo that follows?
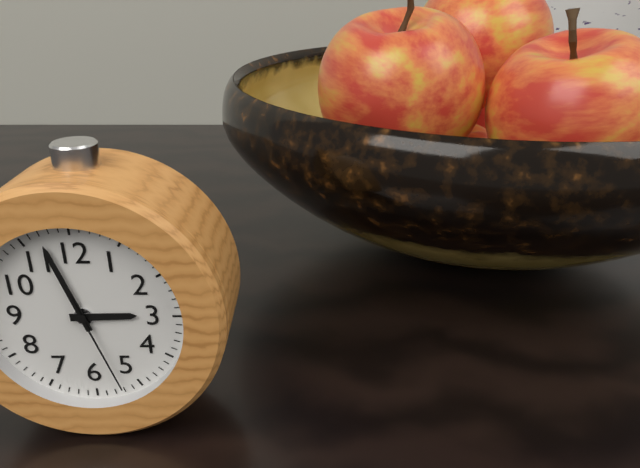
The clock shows 2.57.27
